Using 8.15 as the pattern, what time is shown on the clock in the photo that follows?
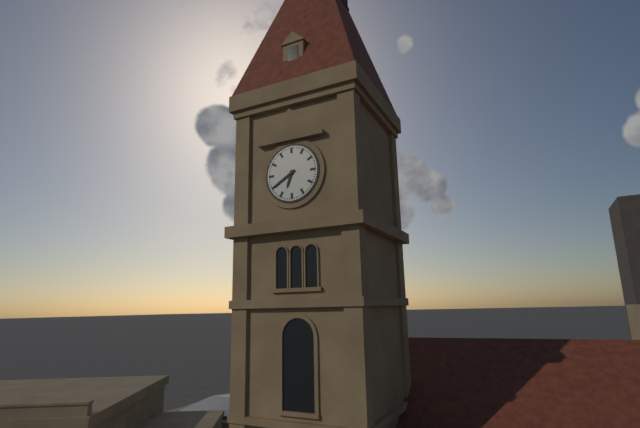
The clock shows 6.40
